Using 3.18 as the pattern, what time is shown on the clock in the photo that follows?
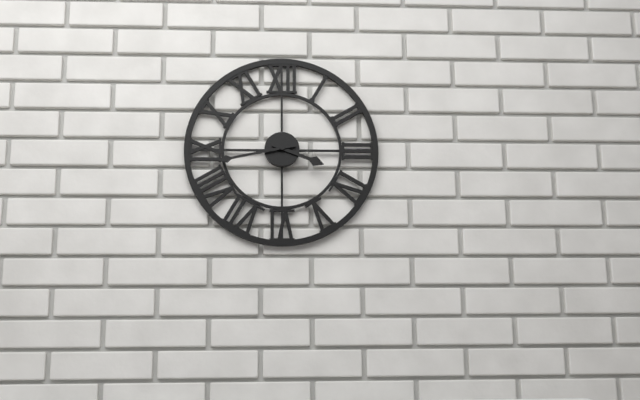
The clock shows 3.43
